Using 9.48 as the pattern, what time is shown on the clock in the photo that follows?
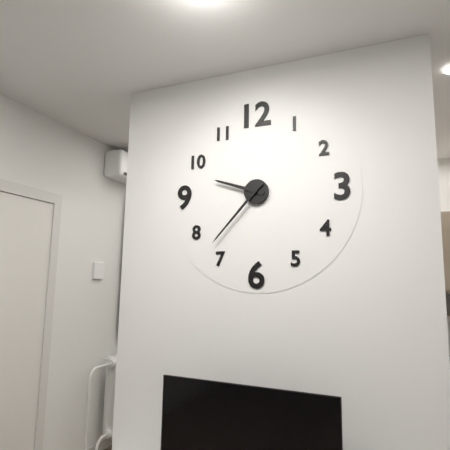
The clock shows 9.37
